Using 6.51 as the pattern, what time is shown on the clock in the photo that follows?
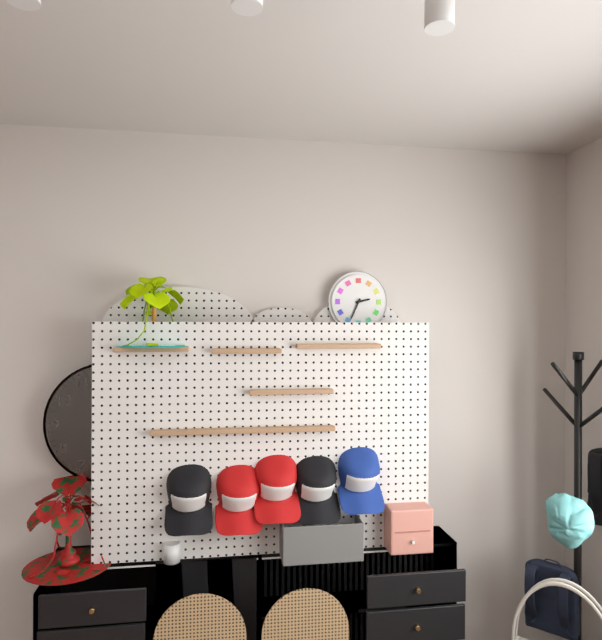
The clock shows 2.34
